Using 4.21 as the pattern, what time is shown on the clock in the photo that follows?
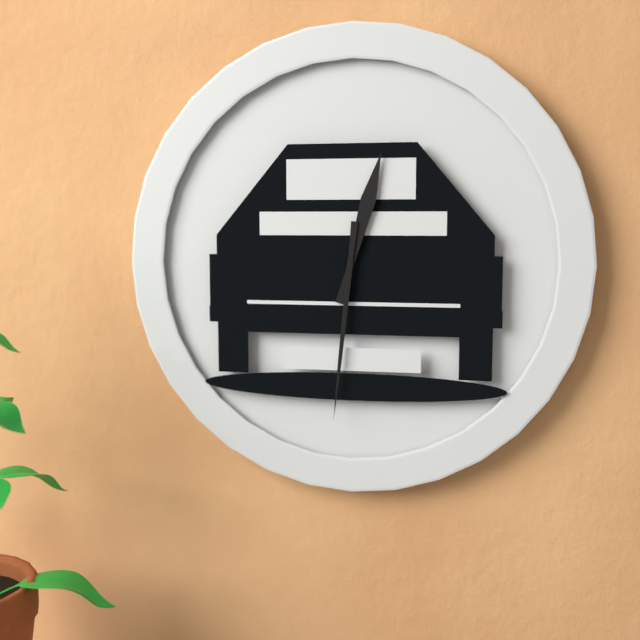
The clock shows 12.31
